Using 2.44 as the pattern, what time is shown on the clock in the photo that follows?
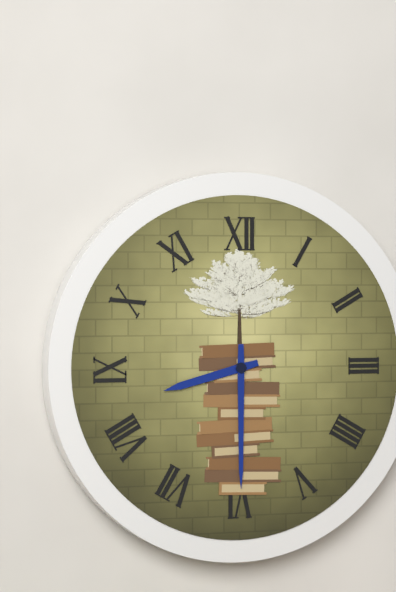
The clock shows 8.30
